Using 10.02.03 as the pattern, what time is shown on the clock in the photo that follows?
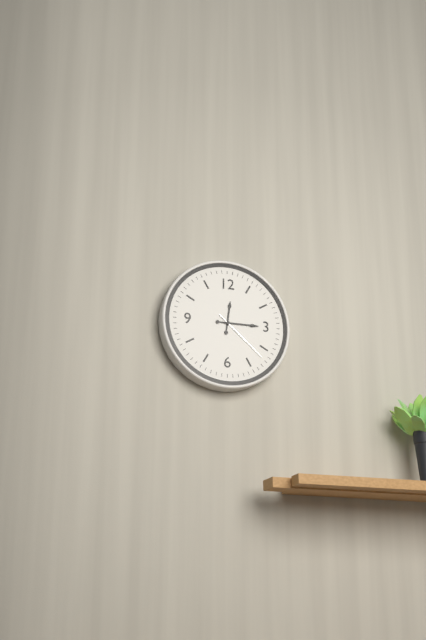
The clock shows 12.15.22
